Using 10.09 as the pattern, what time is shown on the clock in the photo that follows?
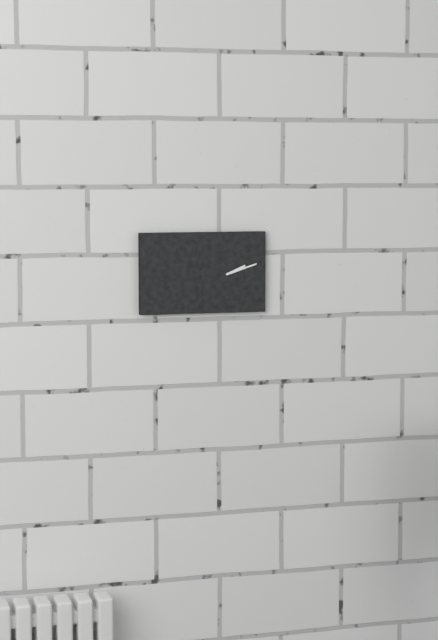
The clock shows 2.12
